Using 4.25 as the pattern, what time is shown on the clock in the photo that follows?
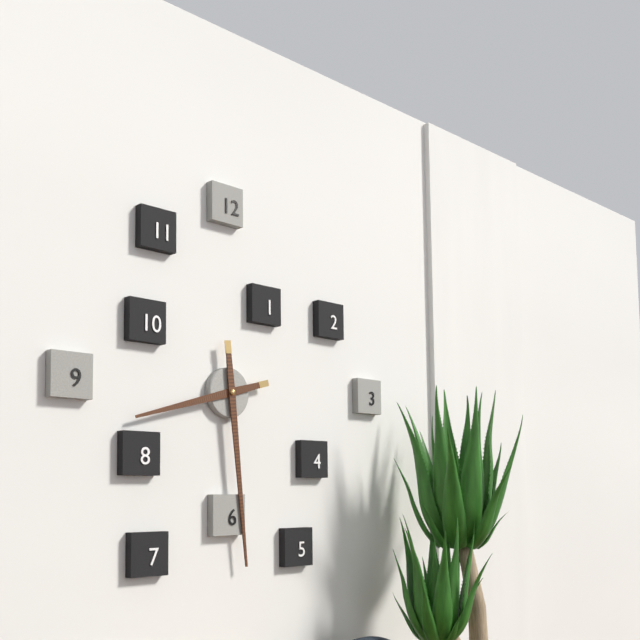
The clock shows 8.29
